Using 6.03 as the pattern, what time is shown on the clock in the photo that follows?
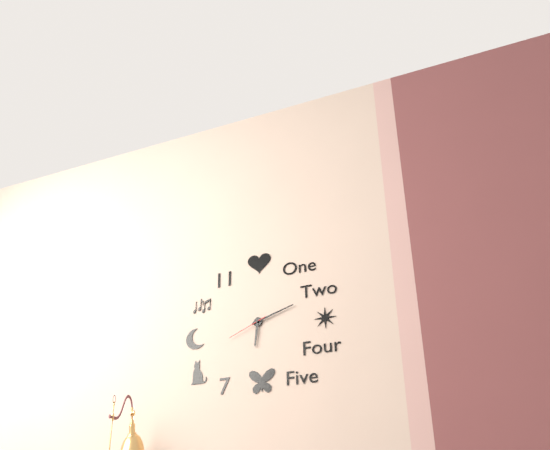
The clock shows 6.12
